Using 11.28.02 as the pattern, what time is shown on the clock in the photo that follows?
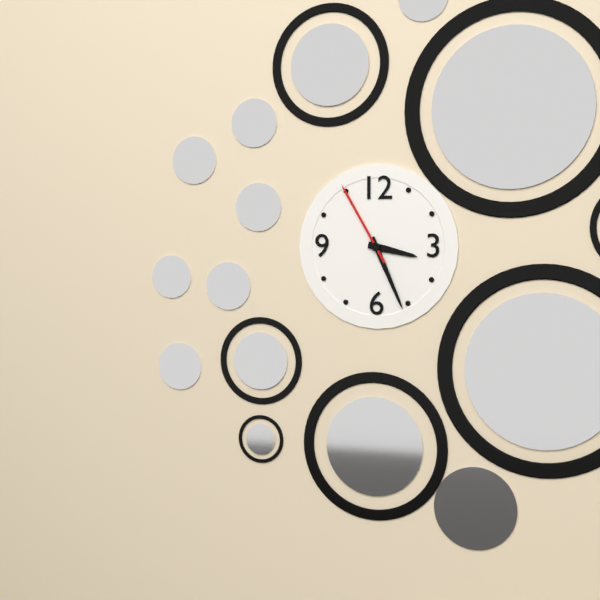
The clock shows 3.26.55
